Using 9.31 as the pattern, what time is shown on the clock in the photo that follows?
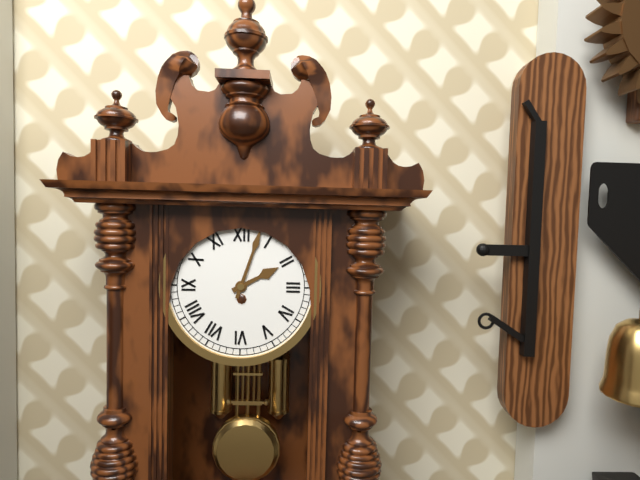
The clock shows 2.03
